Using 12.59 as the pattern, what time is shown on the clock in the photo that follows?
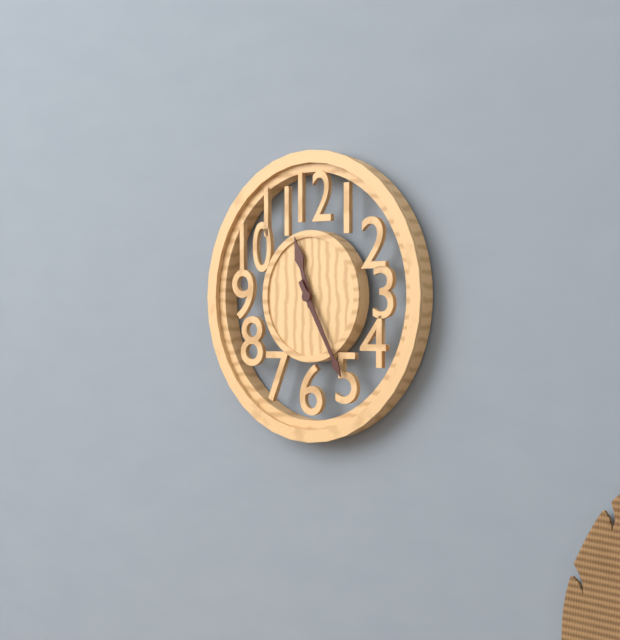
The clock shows 11.25
